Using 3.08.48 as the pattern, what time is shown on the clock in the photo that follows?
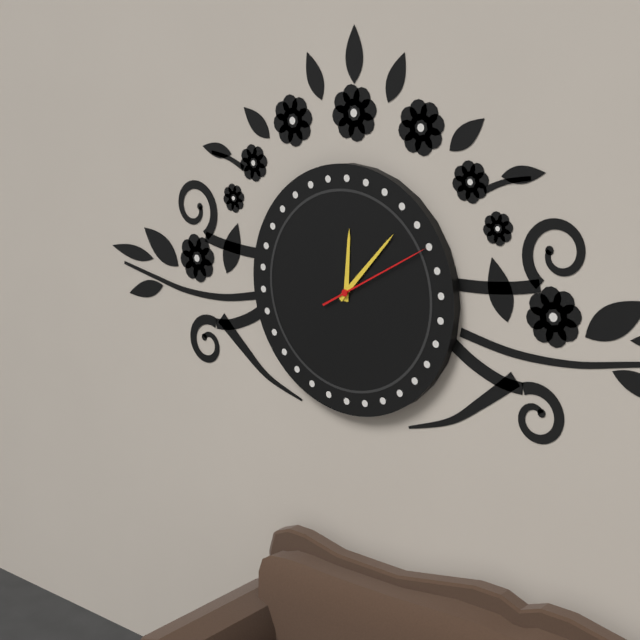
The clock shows 12.07.10
